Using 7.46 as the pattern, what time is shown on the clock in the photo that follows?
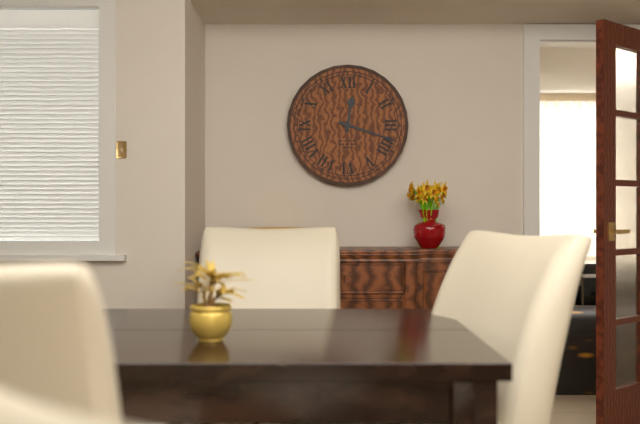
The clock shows 12.18
